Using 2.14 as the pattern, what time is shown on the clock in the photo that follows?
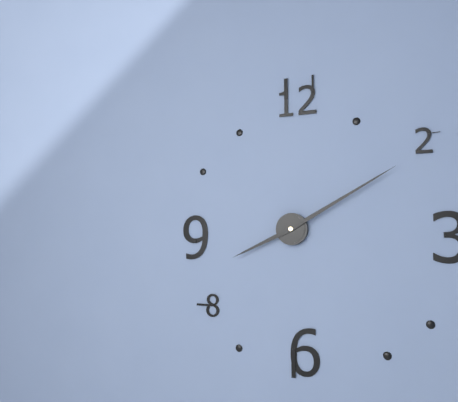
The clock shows 8.10
